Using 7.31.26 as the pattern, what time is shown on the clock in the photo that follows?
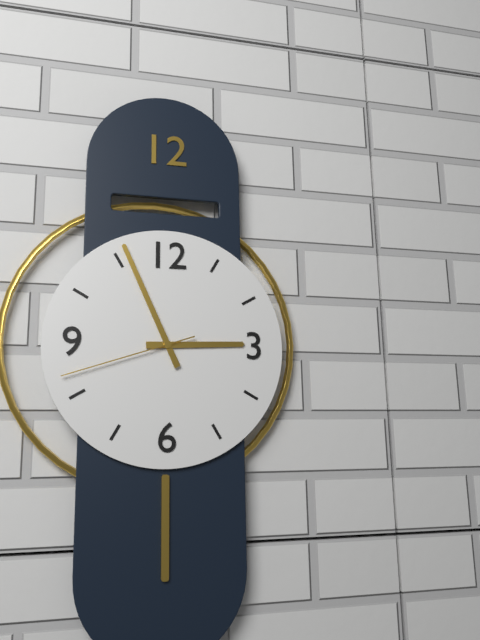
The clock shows 2.56.42
